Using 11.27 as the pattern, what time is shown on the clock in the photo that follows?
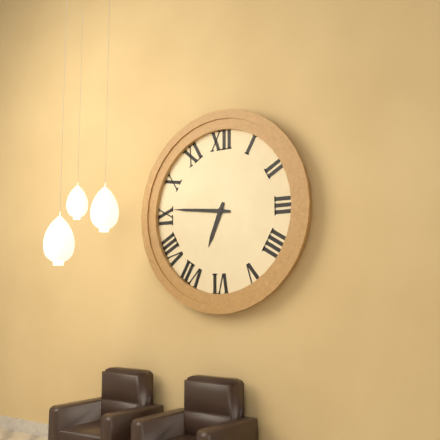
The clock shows 6.46
